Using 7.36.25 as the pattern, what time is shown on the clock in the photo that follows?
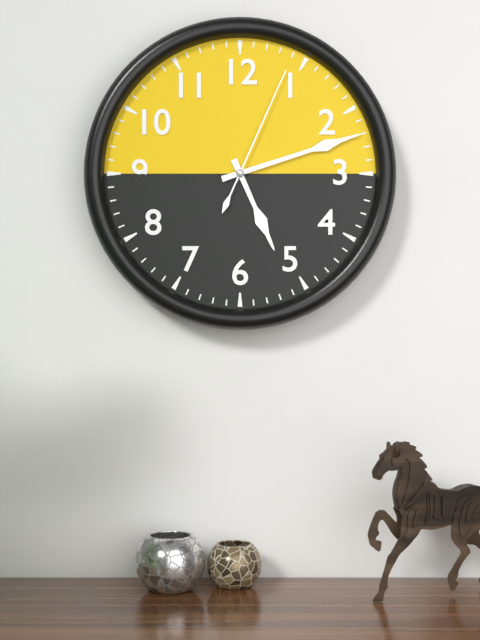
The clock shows 5.12.04
